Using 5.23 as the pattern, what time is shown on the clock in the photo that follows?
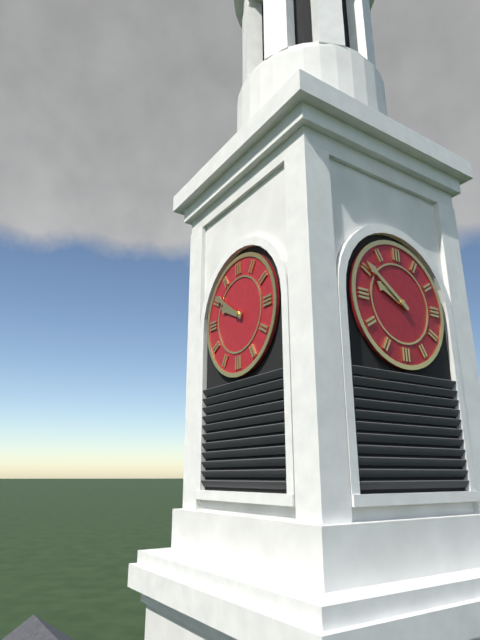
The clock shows 9.51
